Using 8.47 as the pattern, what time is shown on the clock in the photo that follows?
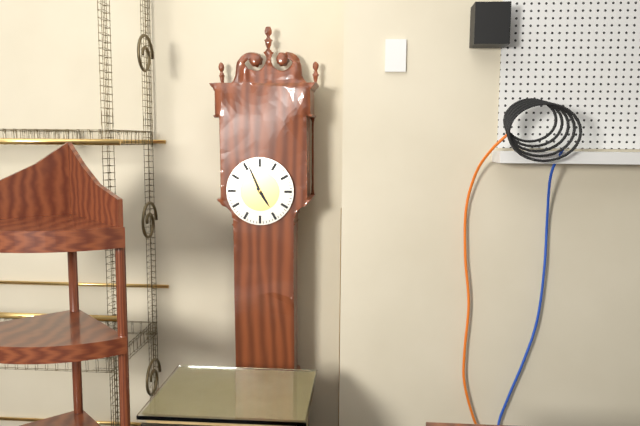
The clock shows 4.56
